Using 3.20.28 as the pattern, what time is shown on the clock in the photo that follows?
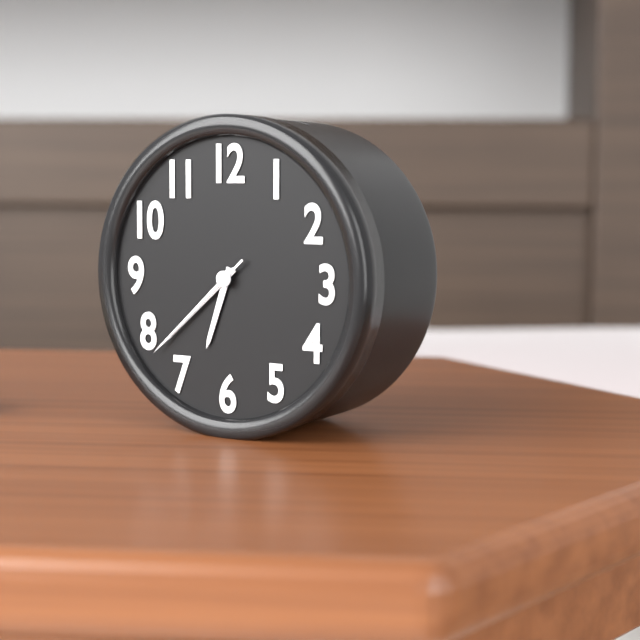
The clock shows 6.38.38
